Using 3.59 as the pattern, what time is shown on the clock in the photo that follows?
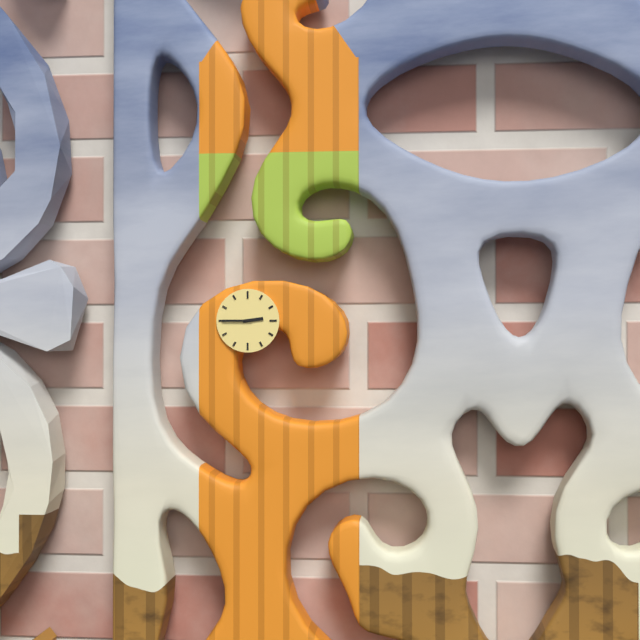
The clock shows 2.45
